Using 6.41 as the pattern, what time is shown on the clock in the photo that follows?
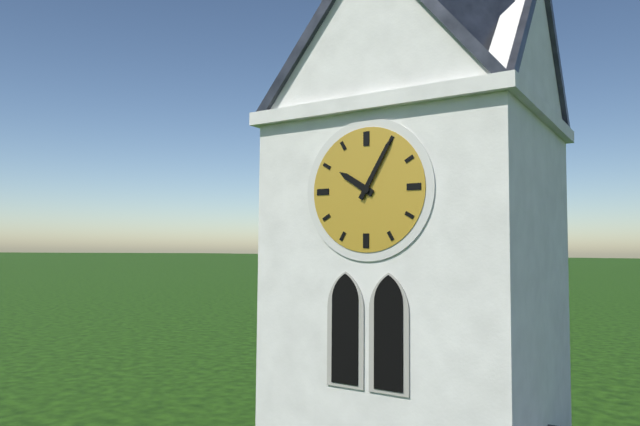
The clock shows 10.05
